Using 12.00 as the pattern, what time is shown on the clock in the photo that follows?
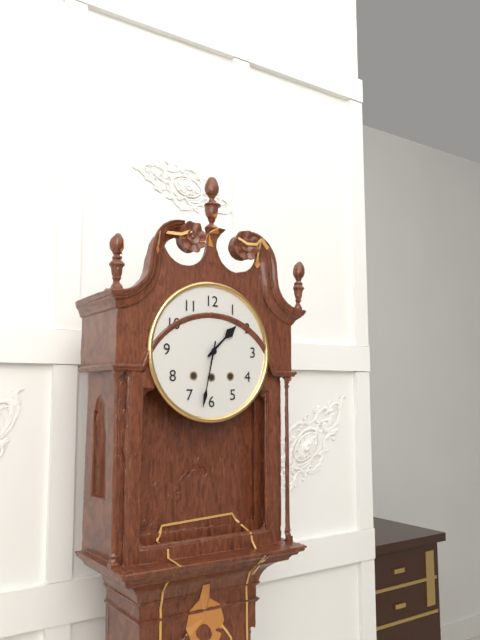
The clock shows 1.32
